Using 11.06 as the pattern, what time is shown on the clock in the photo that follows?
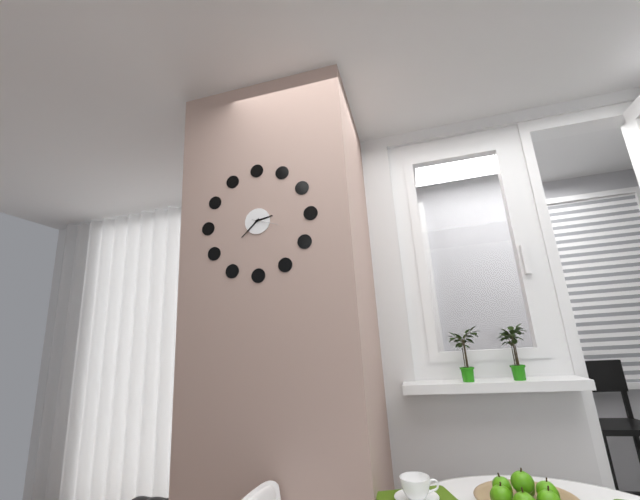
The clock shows 2.38
